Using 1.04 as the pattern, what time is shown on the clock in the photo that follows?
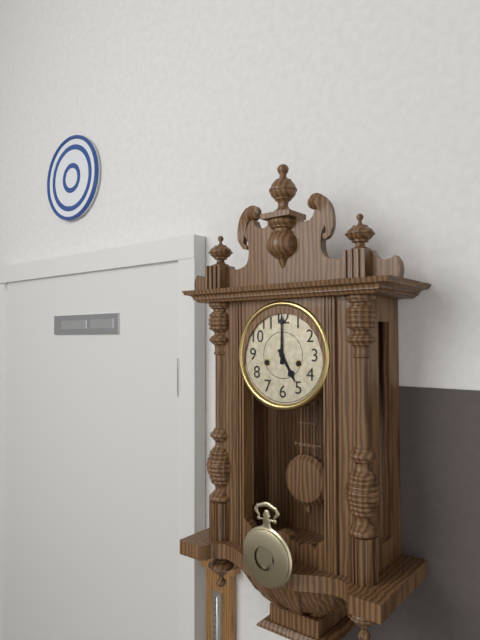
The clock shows 5.00
